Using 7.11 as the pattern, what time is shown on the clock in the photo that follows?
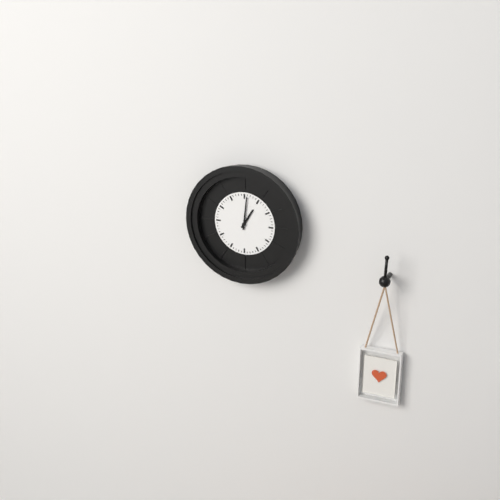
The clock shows 1.01
